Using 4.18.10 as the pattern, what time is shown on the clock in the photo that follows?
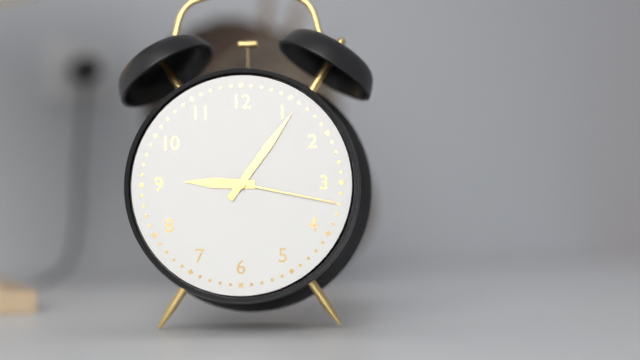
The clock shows 9.06.17
